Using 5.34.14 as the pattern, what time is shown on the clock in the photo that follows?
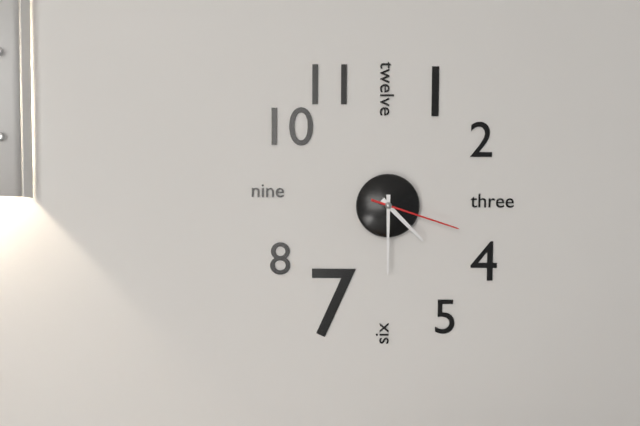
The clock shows 4.30.18
